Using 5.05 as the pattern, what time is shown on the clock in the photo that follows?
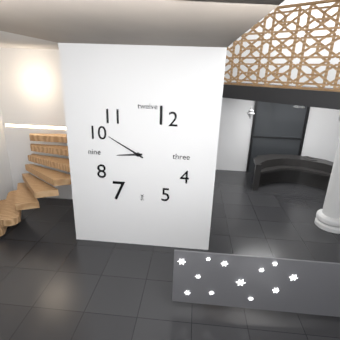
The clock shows 8.50
